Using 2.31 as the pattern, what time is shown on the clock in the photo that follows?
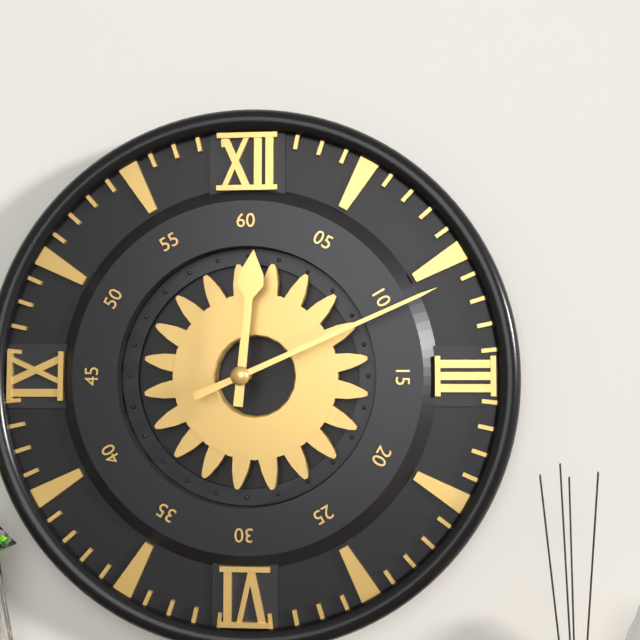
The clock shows 12.11
